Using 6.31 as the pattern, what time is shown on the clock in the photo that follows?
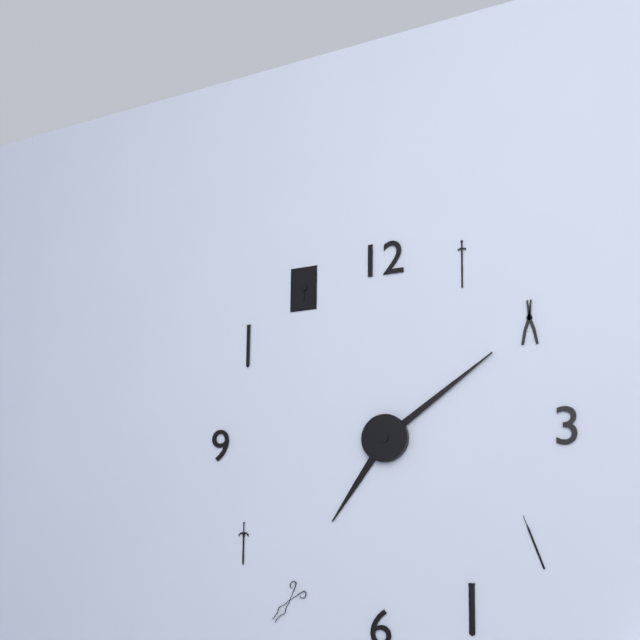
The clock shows 7.09
